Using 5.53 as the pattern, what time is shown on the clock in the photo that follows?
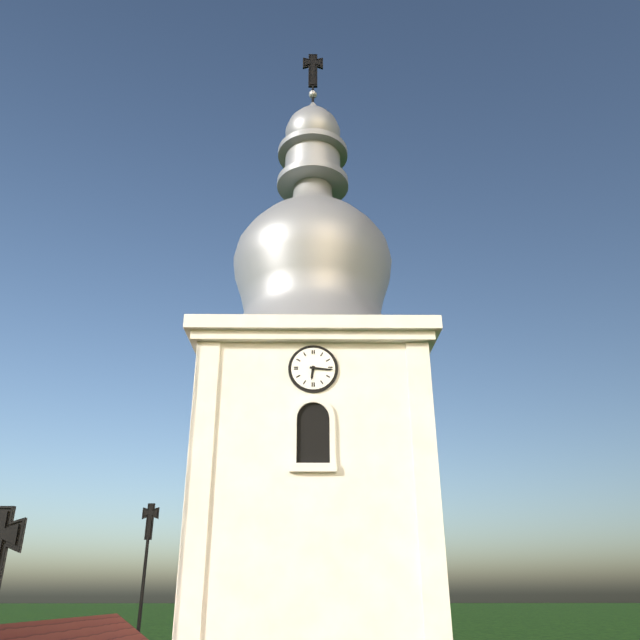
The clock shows 6.16
